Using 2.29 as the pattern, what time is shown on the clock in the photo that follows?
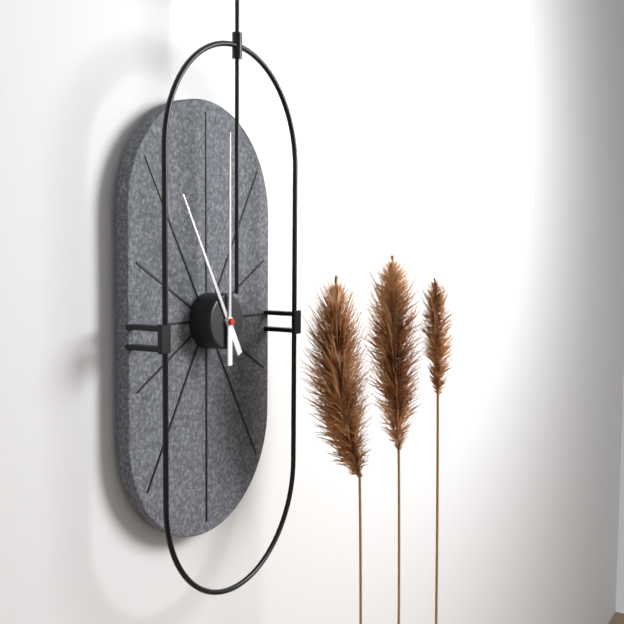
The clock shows 11.00
